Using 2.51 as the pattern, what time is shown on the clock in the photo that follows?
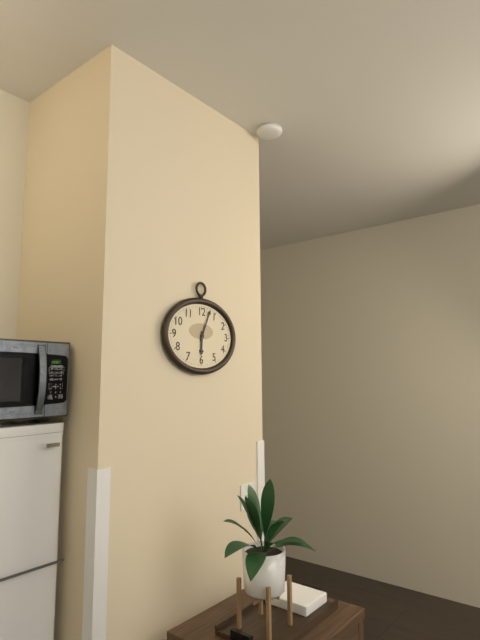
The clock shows 6.04
